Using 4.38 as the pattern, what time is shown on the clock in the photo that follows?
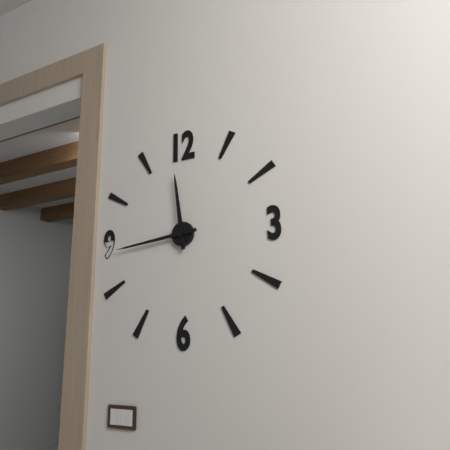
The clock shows 11.44
